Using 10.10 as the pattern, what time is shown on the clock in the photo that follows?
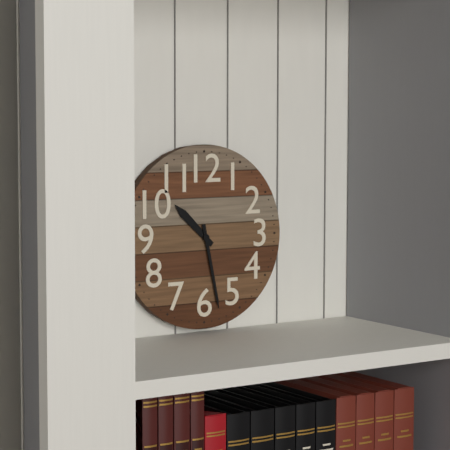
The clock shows 10.28
